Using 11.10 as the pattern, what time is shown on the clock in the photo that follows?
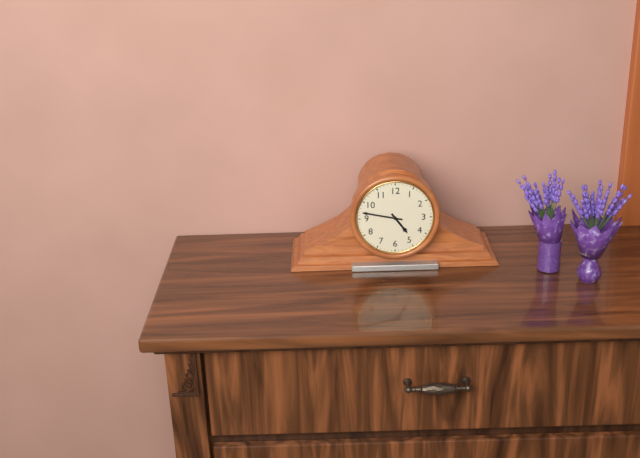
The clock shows 4.47
